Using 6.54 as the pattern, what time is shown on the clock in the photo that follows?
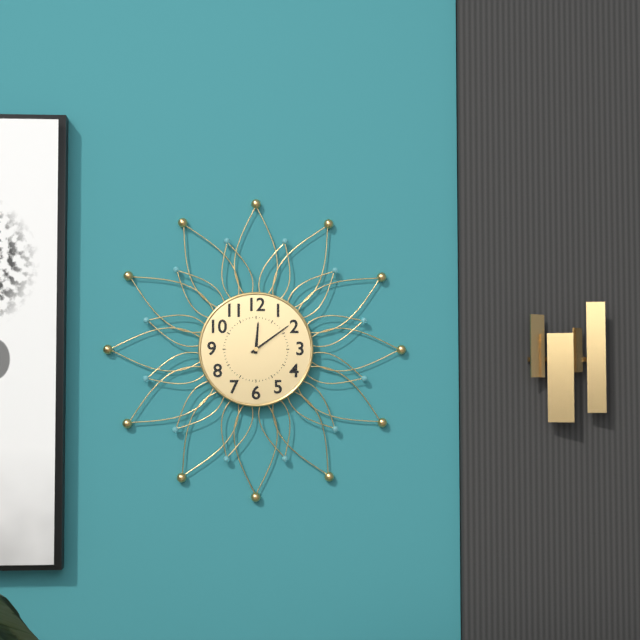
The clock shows 12.09
